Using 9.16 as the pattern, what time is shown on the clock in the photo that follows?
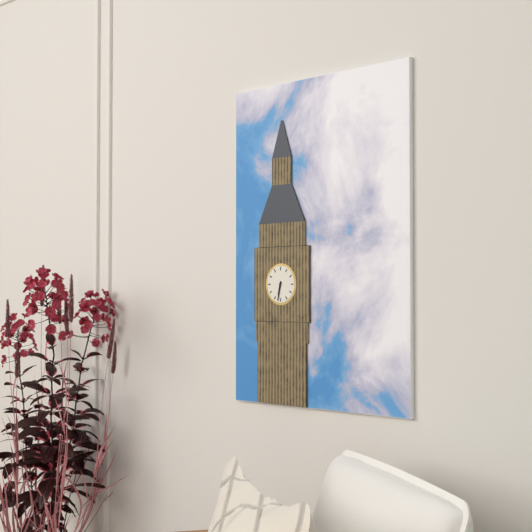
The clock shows 6.32
